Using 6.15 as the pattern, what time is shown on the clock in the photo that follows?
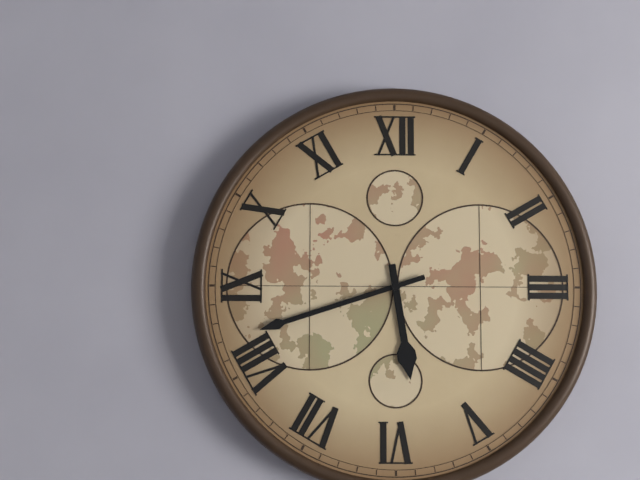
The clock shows 5.42
